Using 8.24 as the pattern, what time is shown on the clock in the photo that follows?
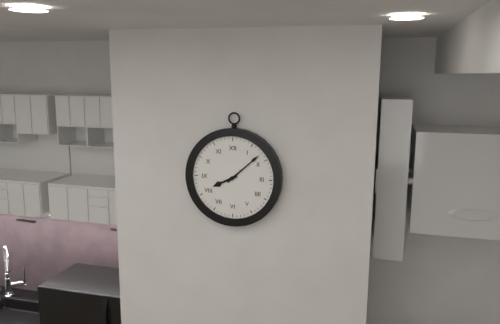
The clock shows 8.08
